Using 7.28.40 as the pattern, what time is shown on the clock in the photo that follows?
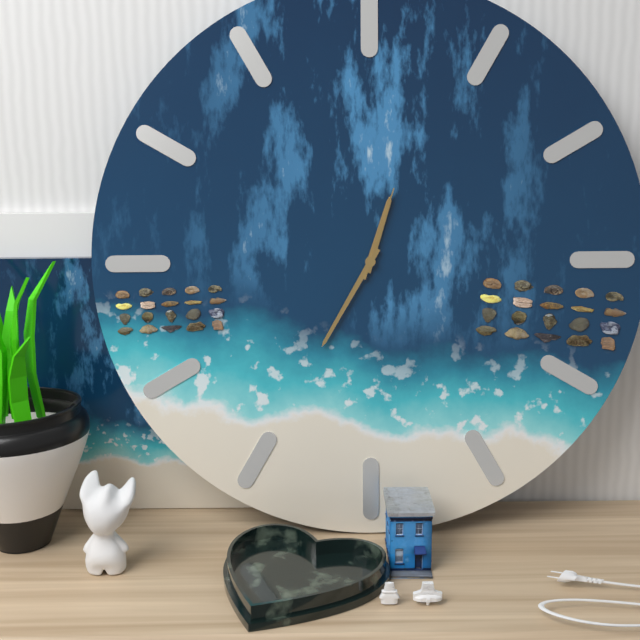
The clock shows 12.35.03
